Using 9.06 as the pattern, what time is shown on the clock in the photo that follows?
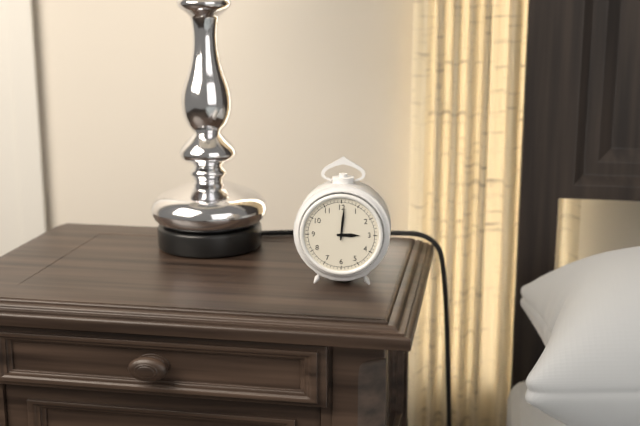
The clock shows 3.01
